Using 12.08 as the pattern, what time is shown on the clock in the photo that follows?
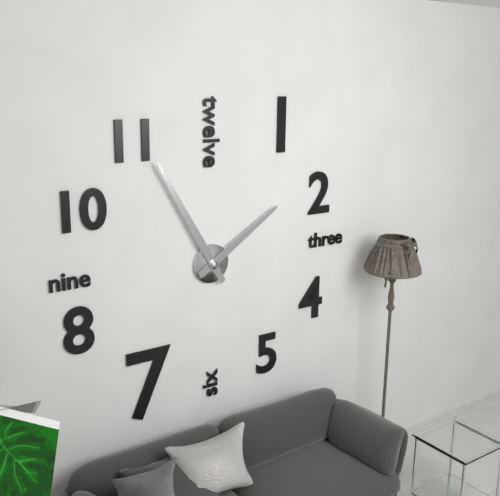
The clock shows 1.55
